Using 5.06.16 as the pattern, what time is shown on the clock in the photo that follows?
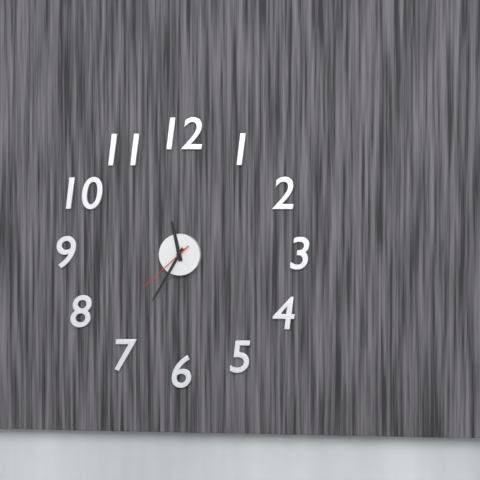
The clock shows 11.35.38
